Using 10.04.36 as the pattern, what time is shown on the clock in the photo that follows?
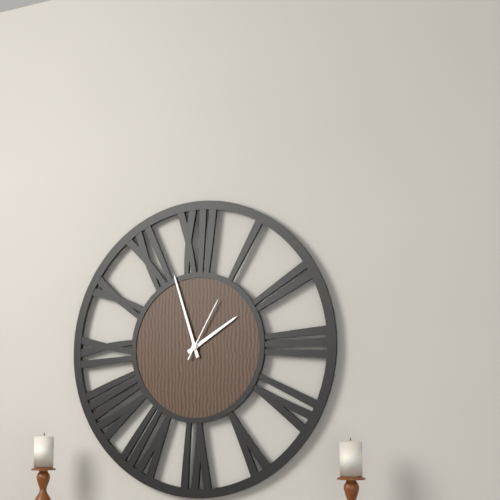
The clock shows 1.57.05
